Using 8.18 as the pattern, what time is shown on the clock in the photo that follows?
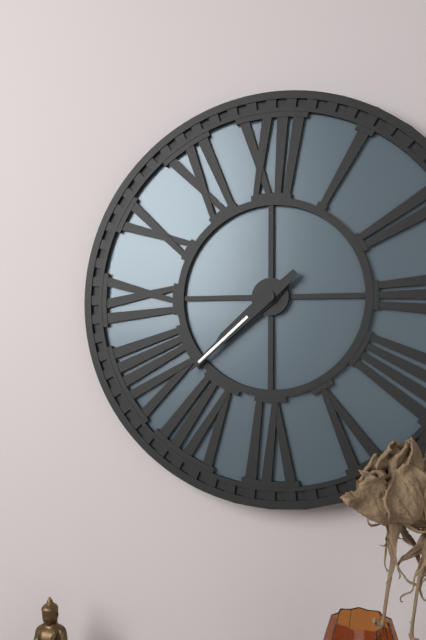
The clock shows 7.38
